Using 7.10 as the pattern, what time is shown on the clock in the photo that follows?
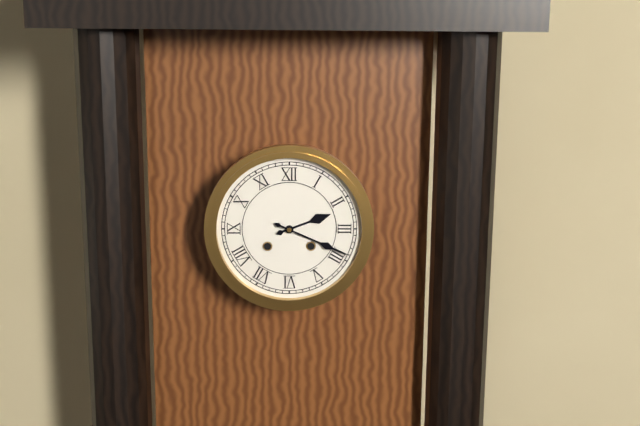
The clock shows 2.19
